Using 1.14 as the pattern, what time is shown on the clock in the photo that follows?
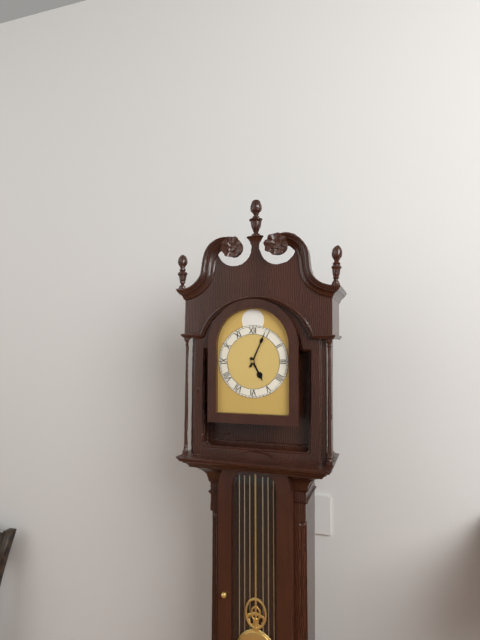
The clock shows 5.04
